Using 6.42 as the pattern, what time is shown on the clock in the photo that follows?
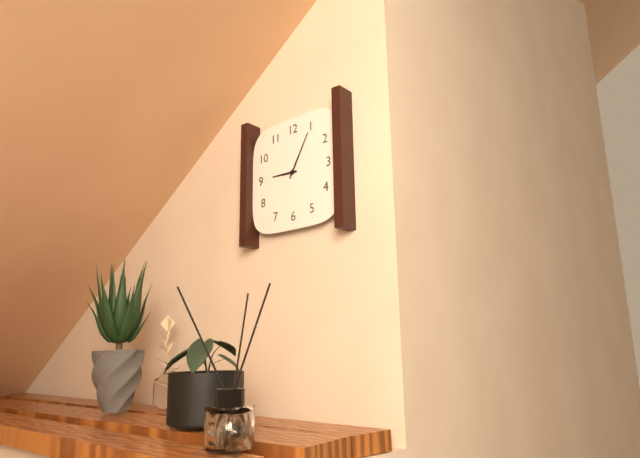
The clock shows 9.05
